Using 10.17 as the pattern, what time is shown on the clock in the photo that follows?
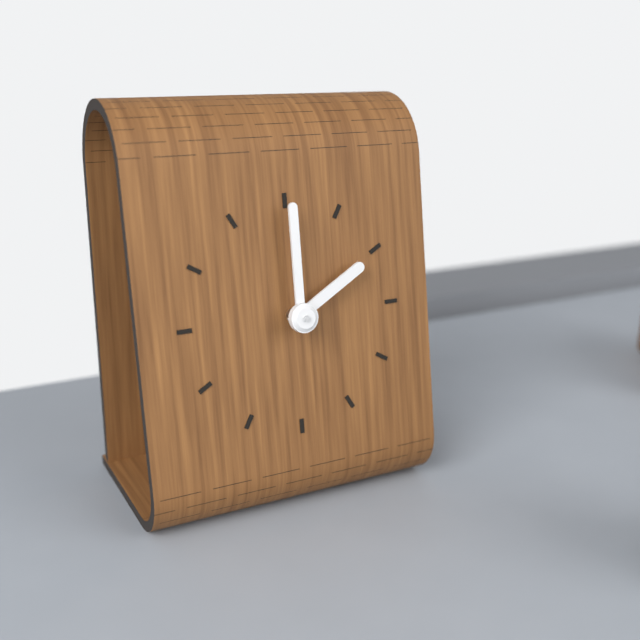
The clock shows 2.00
